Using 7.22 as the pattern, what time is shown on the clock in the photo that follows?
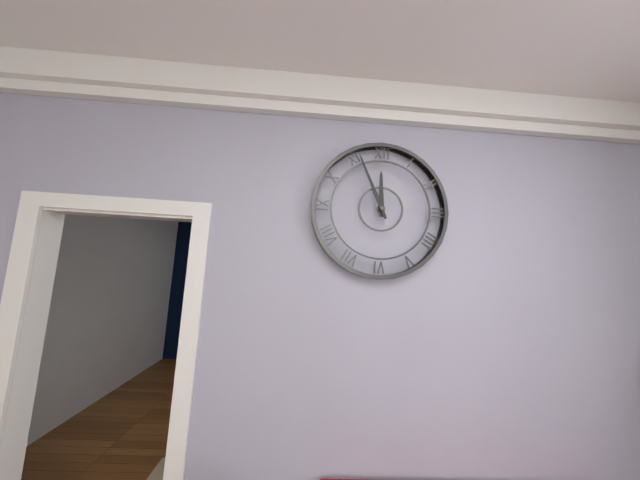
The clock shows 11.56
